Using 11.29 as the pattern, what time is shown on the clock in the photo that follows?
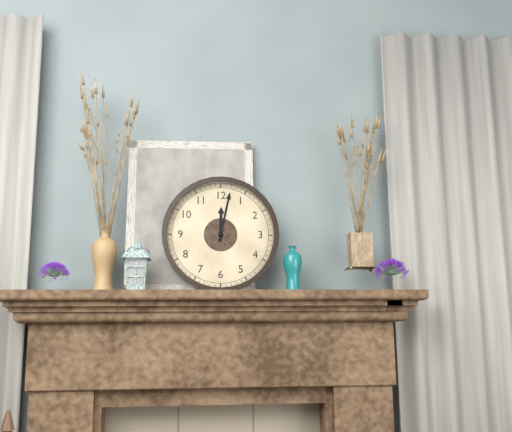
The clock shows 12.02
